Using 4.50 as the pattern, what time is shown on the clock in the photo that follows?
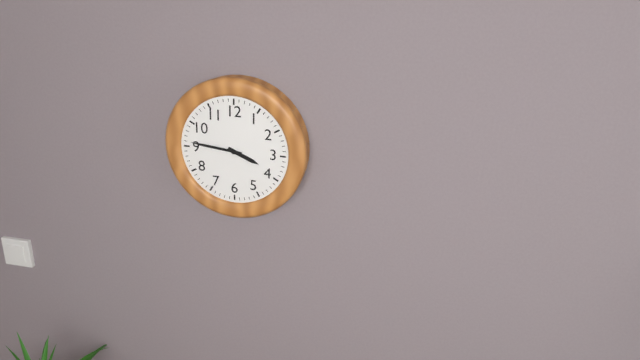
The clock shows 3.46
